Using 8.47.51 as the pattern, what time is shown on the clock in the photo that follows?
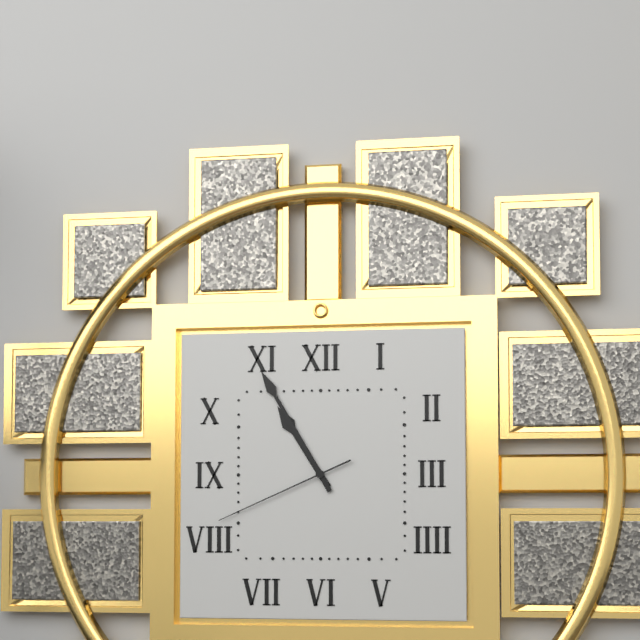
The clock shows 10.55.41
